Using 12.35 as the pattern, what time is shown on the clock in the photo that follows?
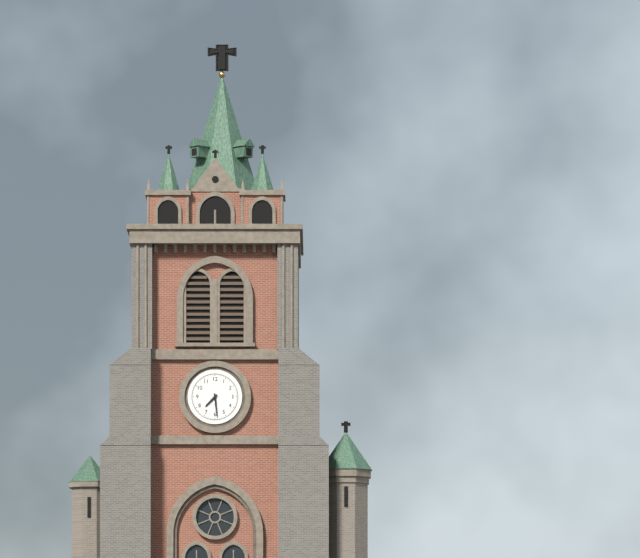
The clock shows 7.29
